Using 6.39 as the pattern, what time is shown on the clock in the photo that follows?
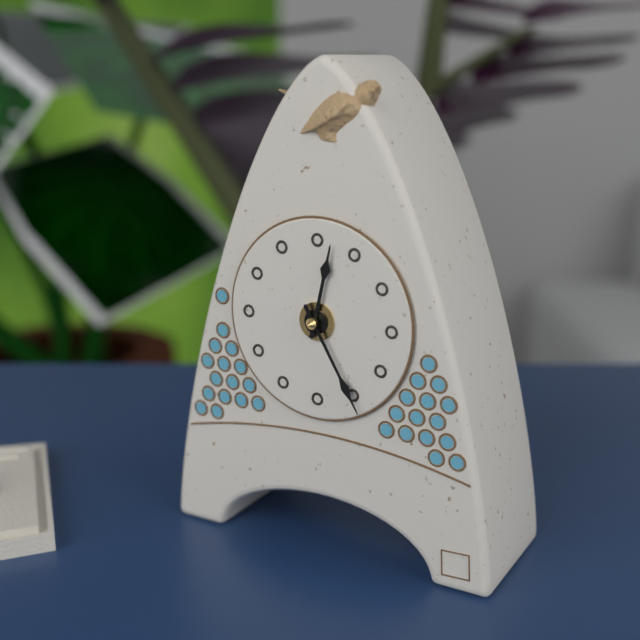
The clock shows 12.25
